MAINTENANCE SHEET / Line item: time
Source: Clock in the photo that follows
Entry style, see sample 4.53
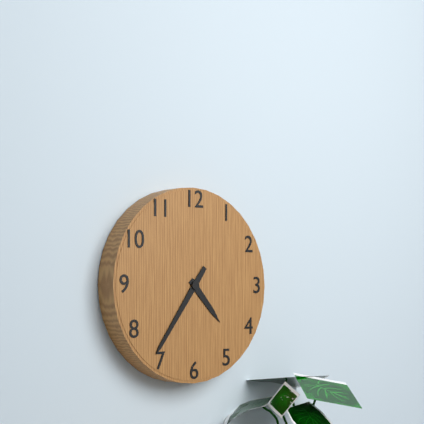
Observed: 4.36
